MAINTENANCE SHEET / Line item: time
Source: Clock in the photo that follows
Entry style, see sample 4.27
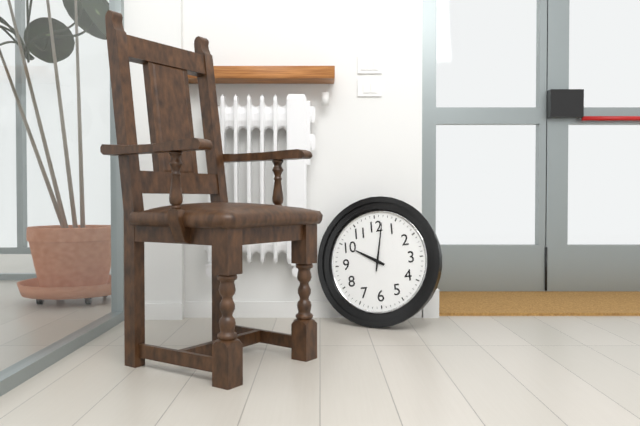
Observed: 10.02
